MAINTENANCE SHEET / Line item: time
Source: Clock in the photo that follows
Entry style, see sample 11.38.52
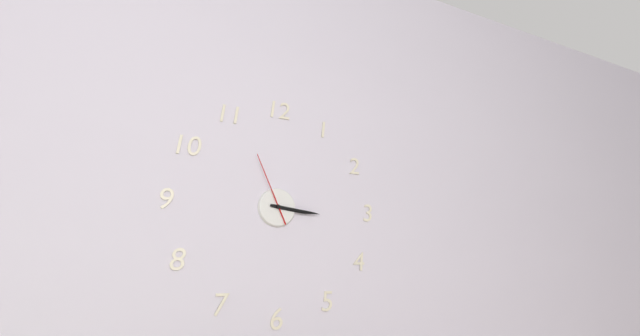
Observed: 3.16.56
